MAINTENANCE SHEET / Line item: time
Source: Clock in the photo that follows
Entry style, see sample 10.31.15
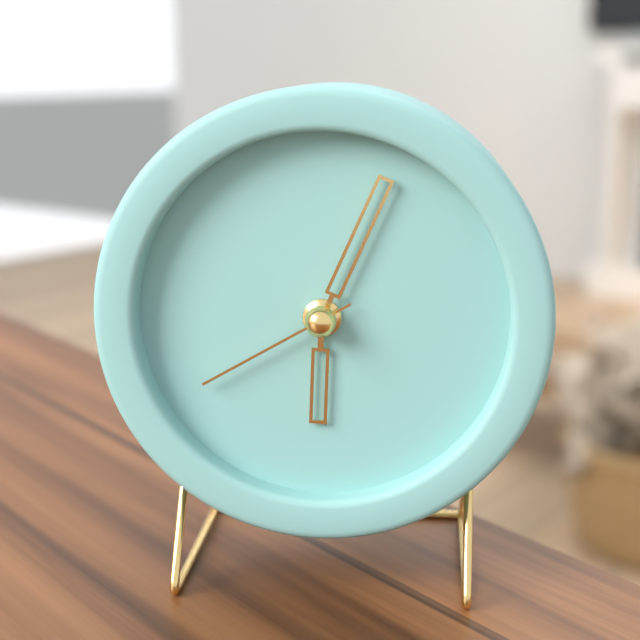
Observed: 6.04.40
